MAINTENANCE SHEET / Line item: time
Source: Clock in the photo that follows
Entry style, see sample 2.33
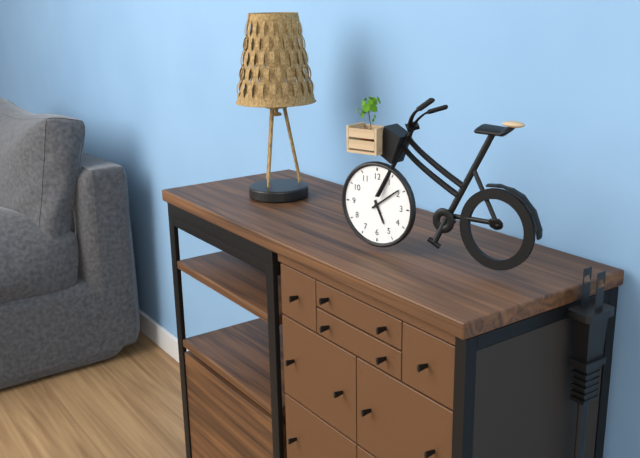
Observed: 5.09
